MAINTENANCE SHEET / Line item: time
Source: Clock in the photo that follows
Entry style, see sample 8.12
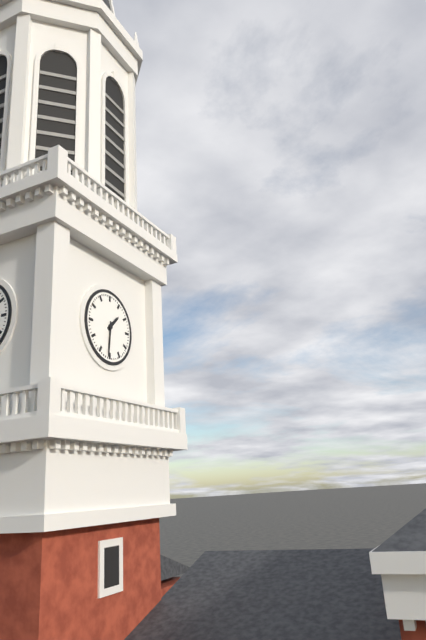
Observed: 1.31
